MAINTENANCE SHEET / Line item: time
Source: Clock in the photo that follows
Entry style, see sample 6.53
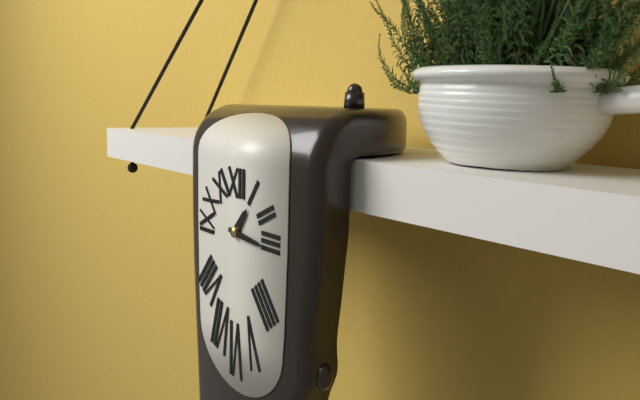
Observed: 1.16
